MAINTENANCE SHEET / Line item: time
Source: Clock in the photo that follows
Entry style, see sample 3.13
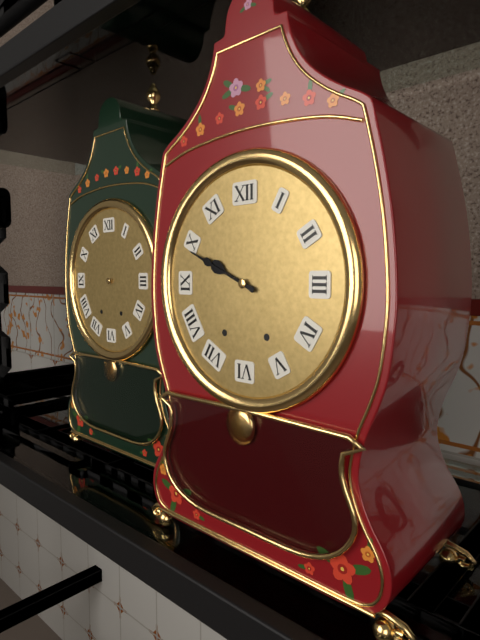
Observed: 9.49
